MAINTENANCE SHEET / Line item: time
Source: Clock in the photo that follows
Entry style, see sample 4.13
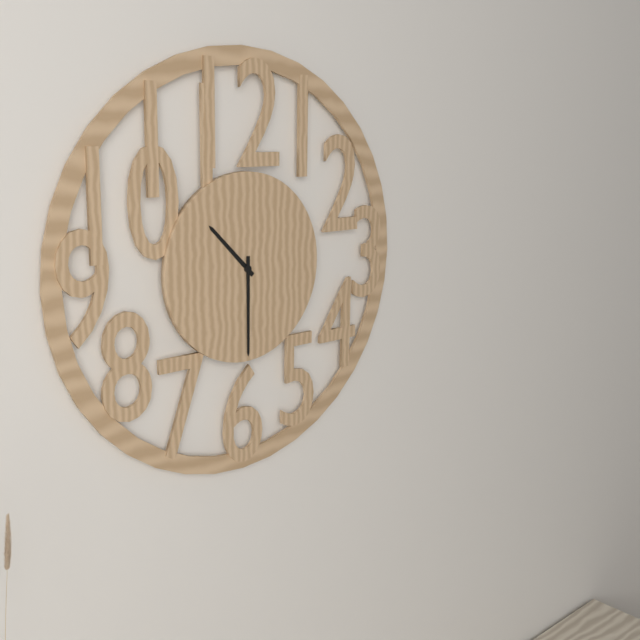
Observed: 10.30
